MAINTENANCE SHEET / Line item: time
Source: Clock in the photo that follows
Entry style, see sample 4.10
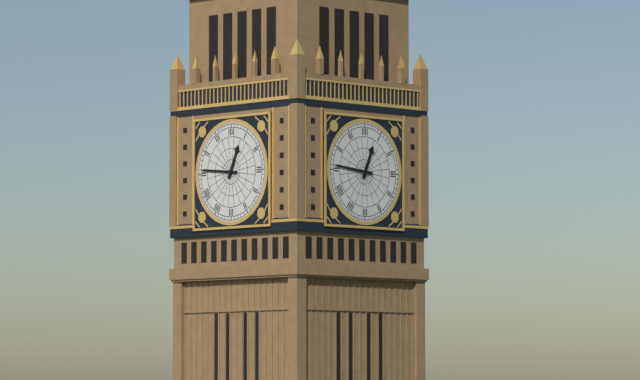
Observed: 12.46
